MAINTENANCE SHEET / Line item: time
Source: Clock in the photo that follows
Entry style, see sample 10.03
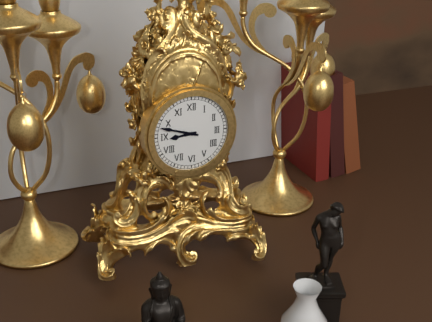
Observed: 8.48
